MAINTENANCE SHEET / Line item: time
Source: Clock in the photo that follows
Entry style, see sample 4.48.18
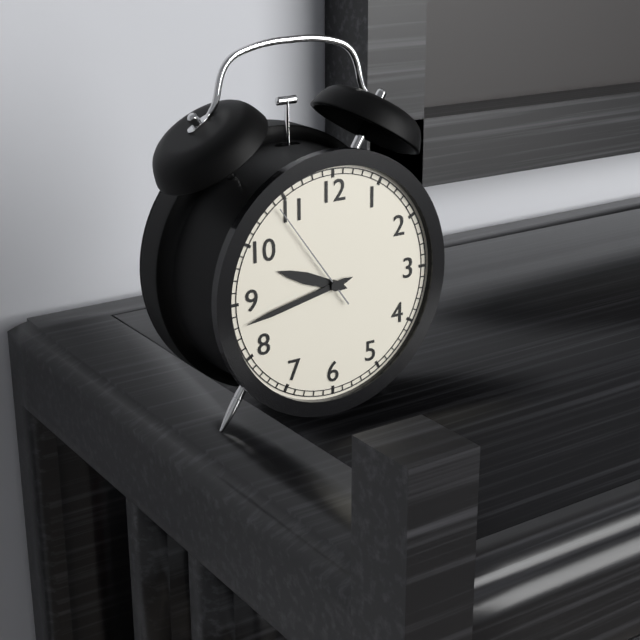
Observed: 9.43.54
